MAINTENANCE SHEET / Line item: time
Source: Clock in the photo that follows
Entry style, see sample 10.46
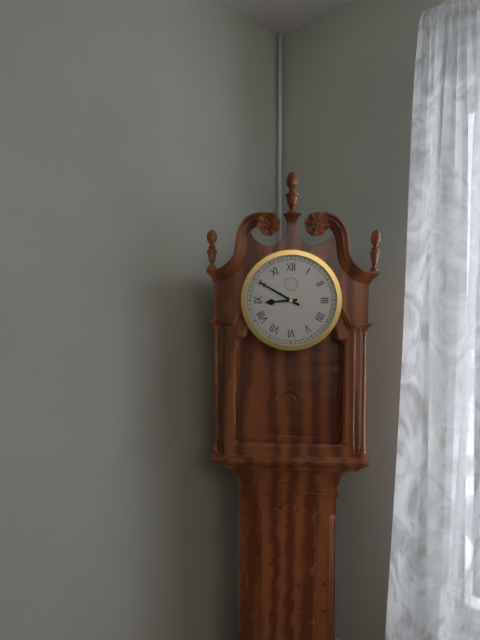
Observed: 8.50
